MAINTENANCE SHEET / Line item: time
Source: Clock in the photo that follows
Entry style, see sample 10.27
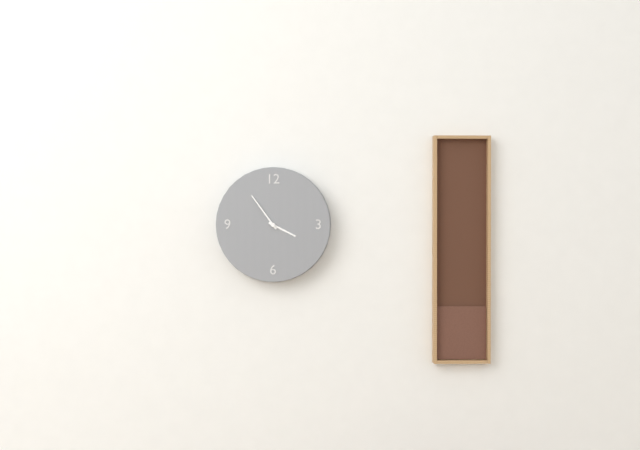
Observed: 3.54
